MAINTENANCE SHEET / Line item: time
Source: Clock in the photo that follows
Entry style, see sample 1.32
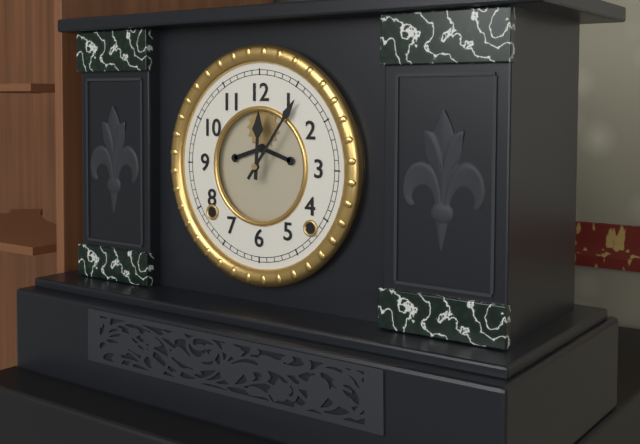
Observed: 12.06
